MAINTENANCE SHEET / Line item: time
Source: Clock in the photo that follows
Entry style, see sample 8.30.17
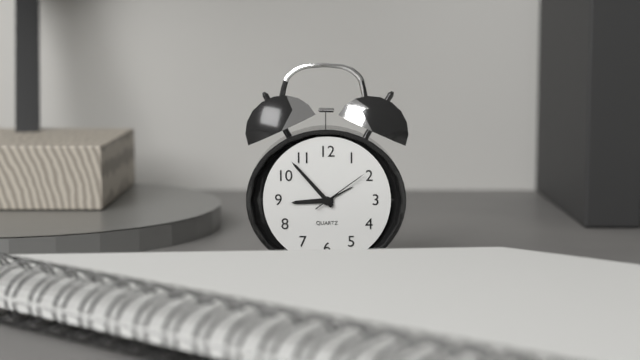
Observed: 8.53.09
